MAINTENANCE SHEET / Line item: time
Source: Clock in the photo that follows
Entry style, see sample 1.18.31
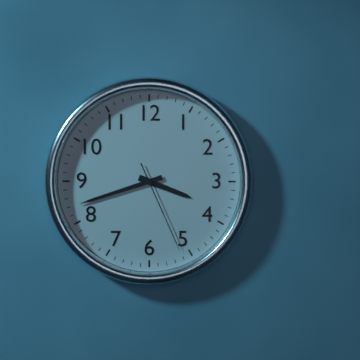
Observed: 3.42.26
